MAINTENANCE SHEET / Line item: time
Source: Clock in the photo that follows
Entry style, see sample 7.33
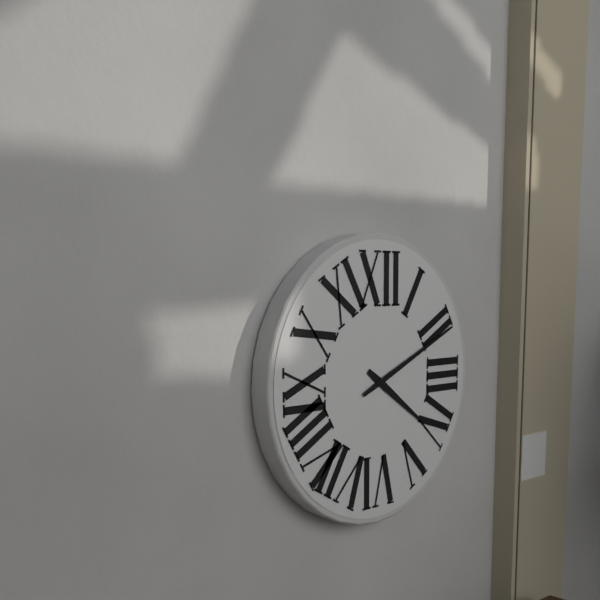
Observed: 4.11
